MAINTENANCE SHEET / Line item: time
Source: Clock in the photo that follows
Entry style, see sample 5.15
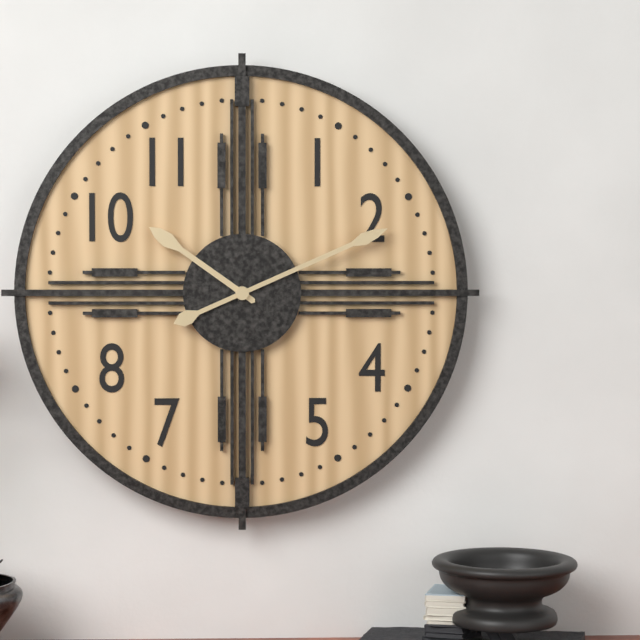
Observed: 10.11
